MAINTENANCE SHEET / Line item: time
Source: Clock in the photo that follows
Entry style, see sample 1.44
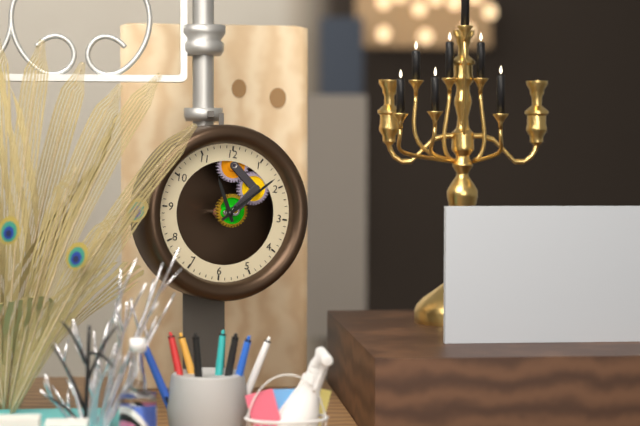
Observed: 11.08
